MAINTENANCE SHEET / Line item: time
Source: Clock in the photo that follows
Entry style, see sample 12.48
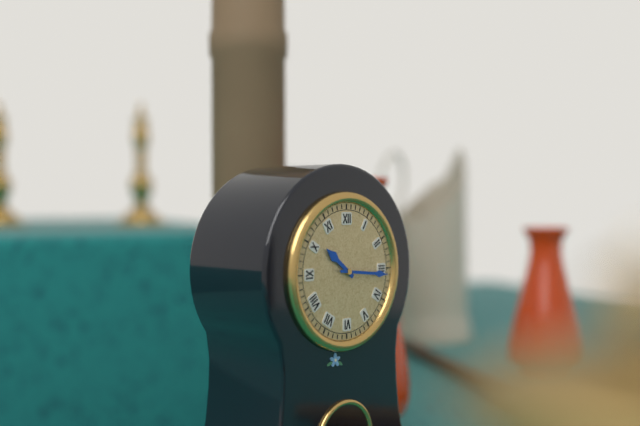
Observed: 10.16
